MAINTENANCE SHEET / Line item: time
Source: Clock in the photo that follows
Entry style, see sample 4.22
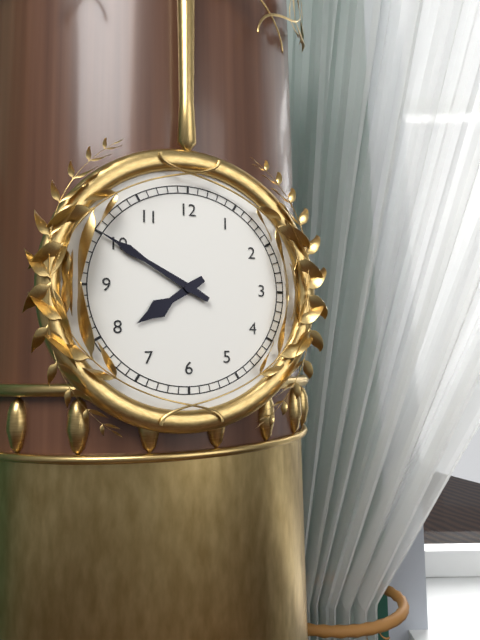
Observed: 7.50
